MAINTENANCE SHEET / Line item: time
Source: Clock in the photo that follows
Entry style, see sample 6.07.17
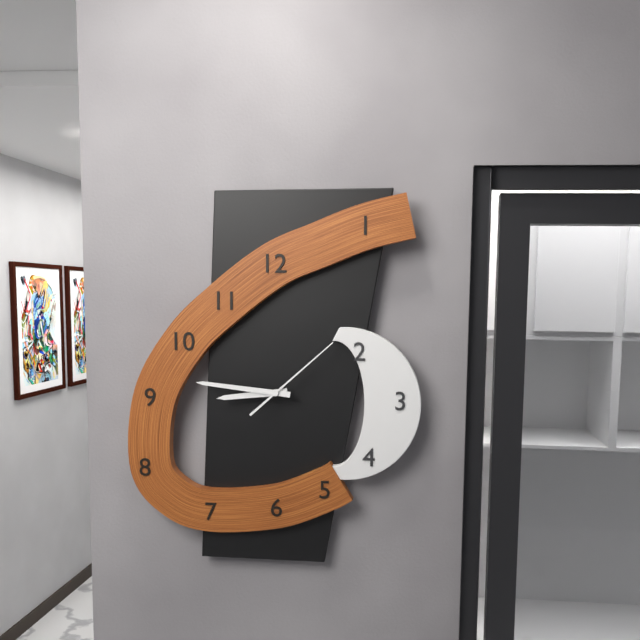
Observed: 8.46.08
